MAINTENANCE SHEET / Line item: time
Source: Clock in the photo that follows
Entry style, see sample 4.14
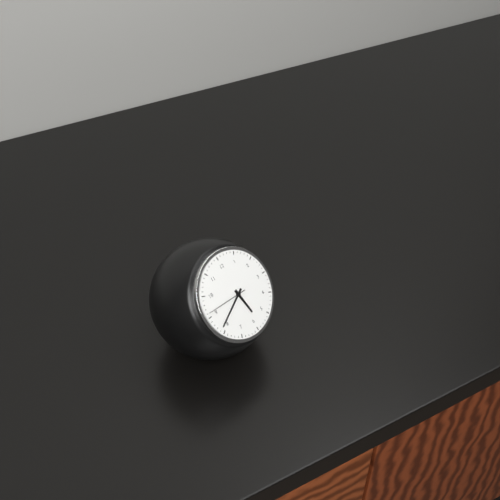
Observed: 5.41
